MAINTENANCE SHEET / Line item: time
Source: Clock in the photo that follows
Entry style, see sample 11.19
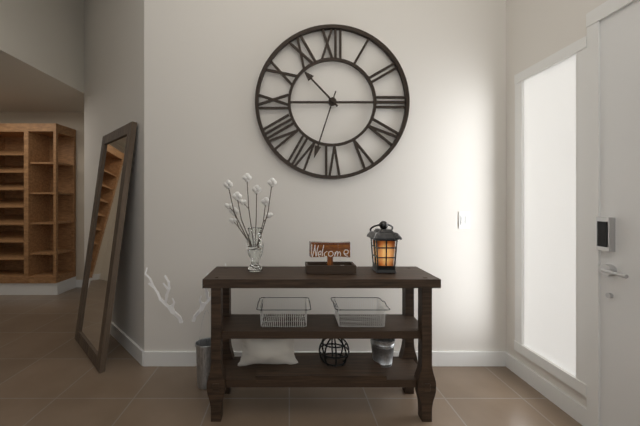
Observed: 10.33
